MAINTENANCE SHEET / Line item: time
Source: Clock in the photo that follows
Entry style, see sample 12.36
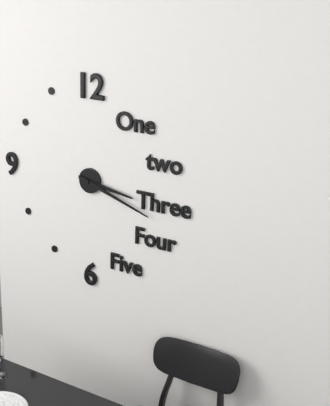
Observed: 3.18
